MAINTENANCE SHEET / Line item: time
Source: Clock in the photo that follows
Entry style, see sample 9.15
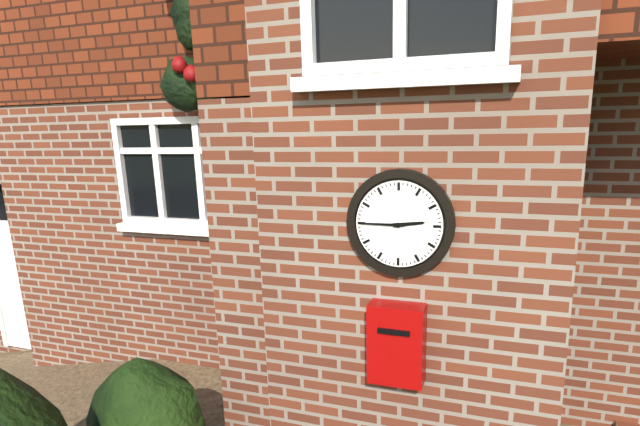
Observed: 2.45
